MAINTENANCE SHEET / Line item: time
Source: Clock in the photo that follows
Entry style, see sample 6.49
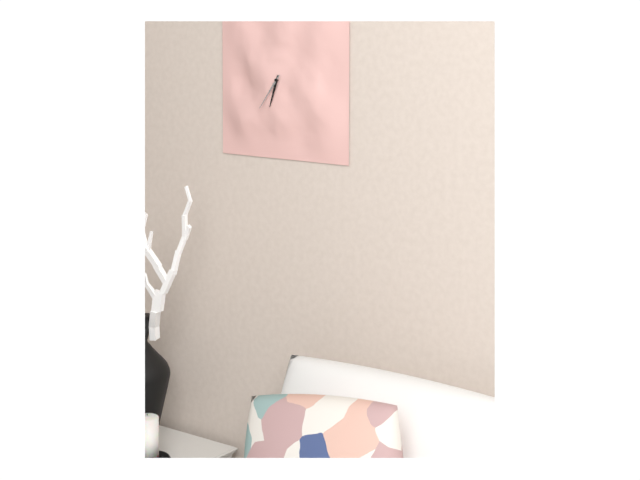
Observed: 6.36
